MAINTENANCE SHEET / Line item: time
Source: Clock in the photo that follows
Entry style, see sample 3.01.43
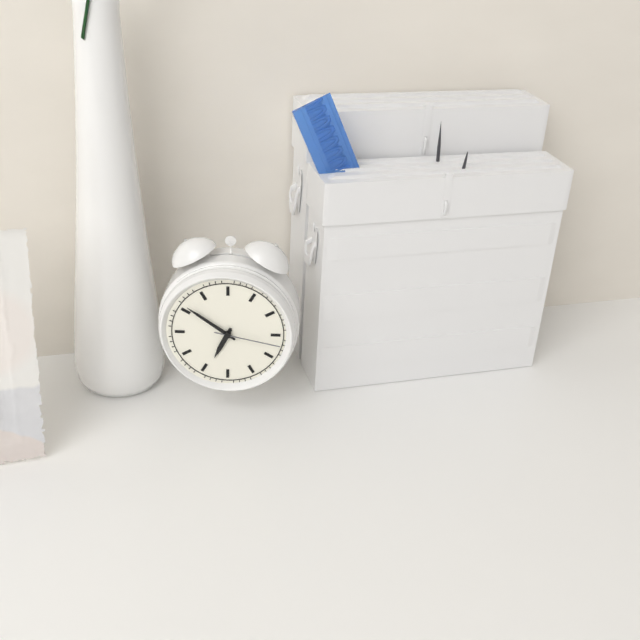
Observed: 6.51.17
